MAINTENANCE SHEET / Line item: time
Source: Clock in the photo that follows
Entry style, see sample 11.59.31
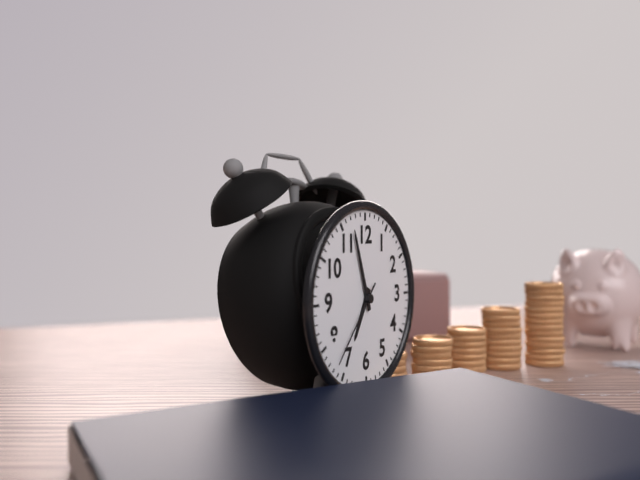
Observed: 6.57.37
